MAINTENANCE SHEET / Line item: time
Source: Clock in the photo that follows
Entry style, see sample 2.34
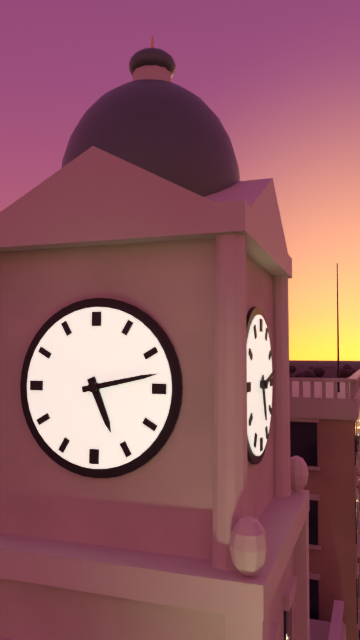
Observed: 5.13
